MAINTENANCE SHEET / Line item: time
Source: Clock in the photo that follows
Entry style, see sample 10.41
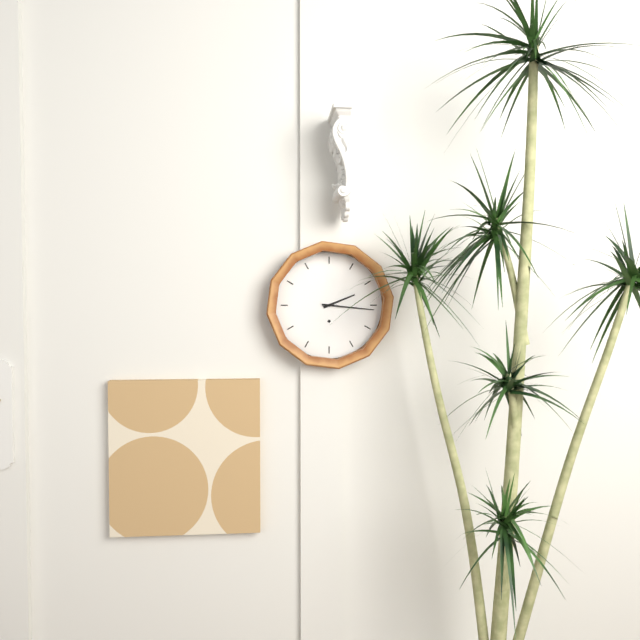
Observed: 2.16
